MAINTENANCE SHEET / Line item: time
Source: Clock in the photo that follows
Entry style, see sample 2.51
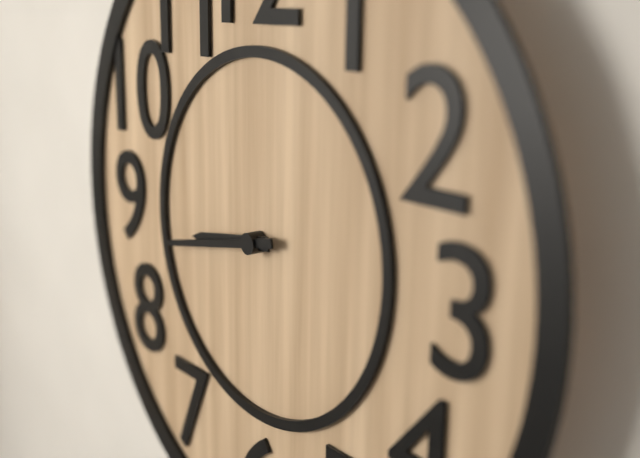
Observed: 8.43
